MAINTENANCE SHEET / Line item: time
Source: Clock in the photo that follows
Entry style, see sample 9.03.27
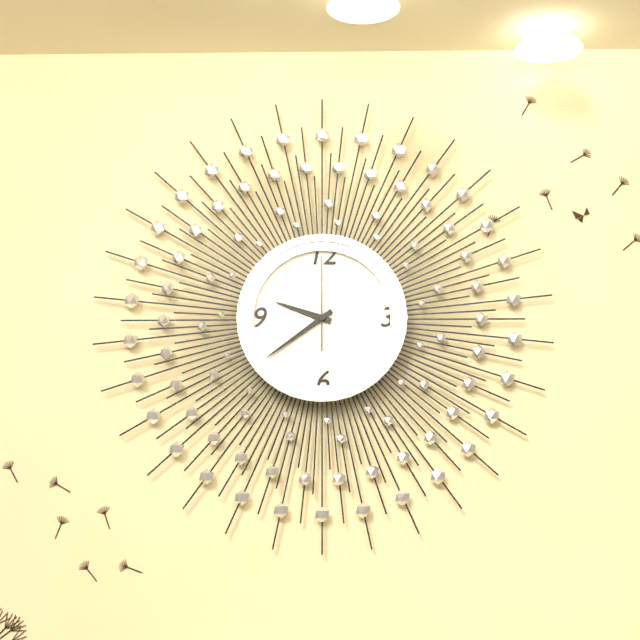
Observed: 9.39.00
